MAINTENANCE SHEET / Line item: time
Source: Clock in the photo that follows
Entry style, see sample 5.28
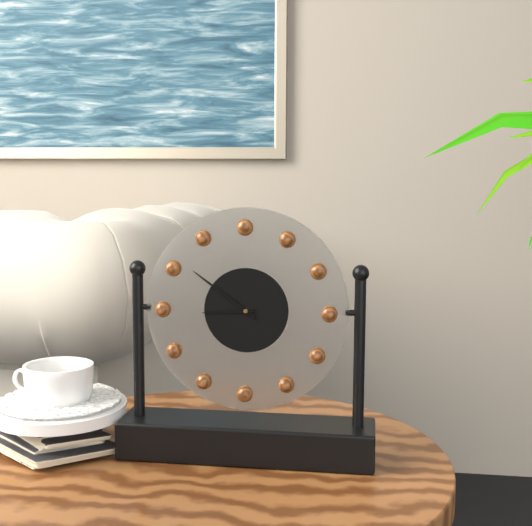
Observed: 8.51
